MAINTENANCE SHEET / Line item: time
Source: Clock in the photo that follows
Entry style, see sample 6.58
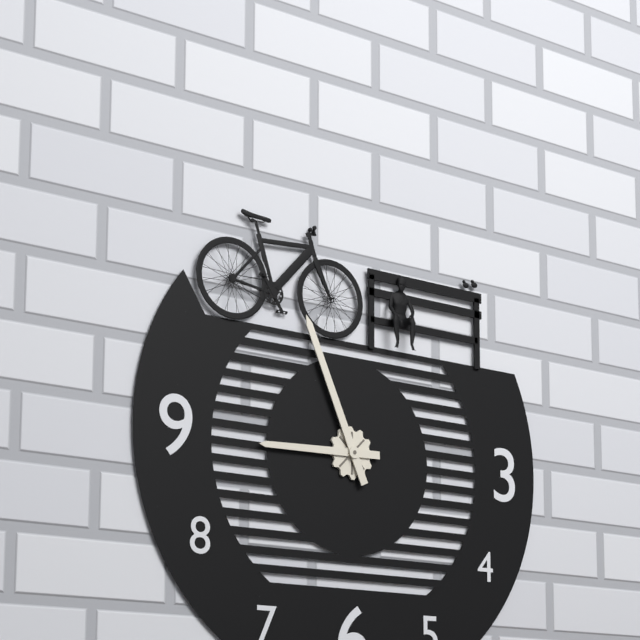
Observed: 8.56
